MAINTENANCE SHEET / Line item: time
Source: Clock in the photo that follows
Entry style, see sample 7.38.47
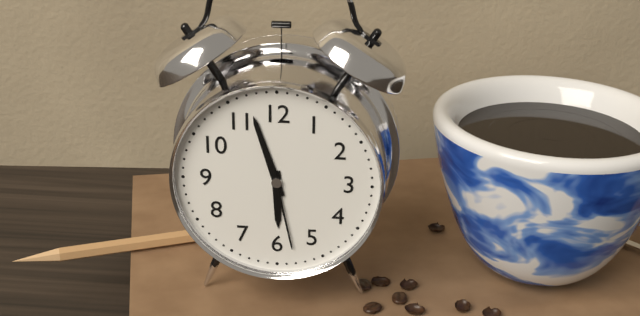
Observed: 5.57.28
